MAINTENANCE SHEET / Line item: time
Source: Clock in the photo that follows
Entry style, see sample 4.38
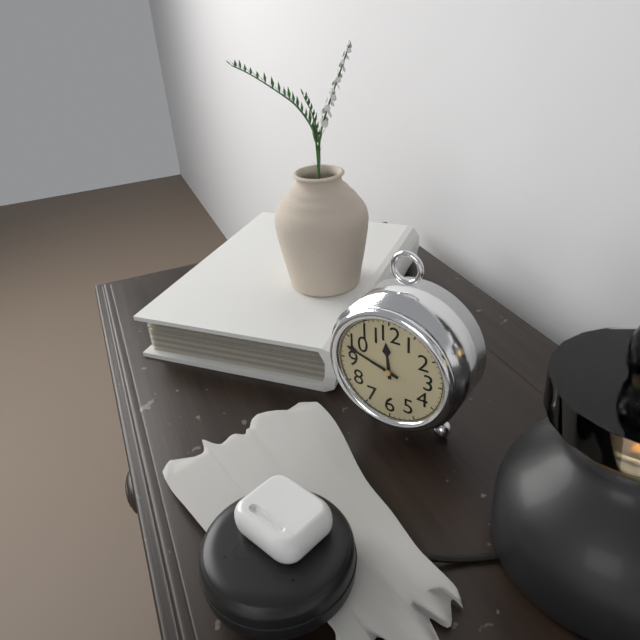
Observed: 11.48
